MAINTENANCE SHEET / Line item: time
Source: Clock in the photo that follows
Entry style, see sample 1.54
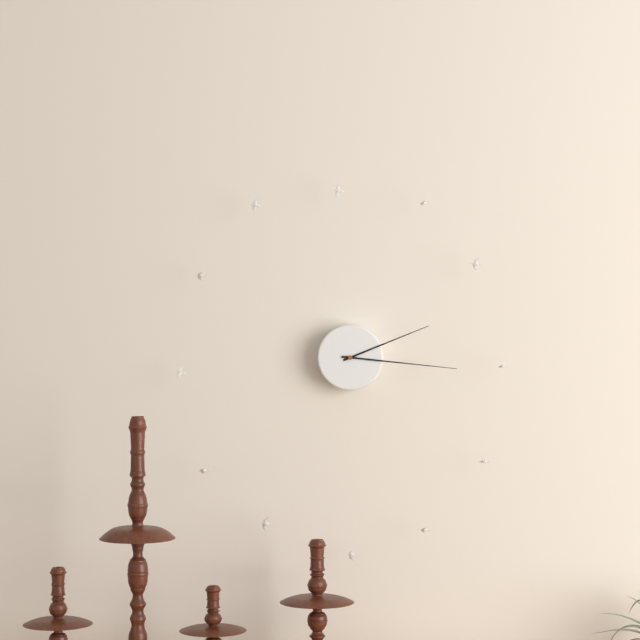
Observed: 2.16
